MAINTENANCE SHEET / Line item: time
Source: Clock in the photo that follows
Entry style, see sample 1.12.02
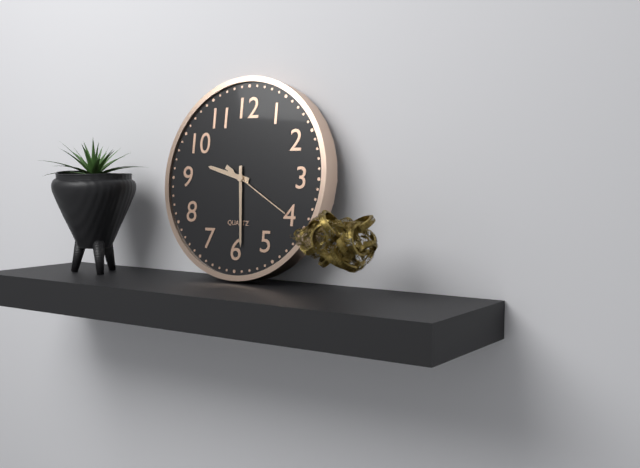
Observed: 9.29.20
